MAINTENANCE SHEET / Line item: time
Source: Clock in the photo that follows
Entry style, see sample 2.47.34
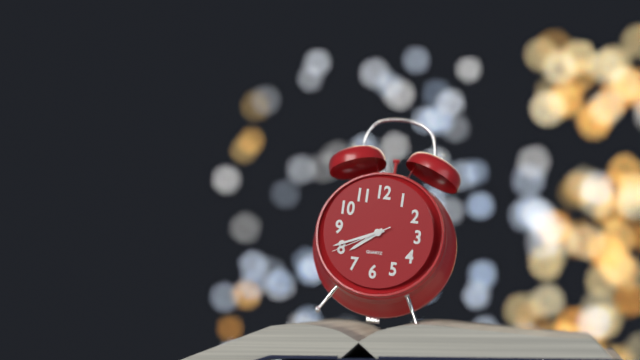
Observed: 7.41.40
